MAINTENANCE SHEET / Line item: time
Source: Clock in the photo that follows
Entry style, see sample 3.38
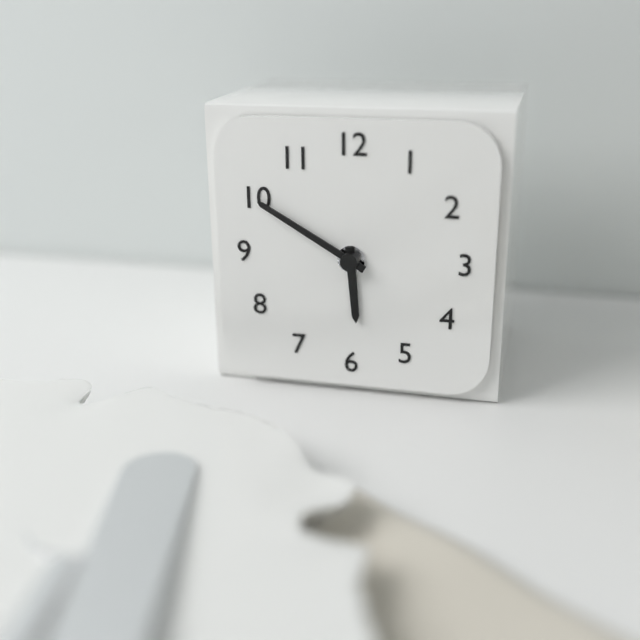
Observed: 5.50
